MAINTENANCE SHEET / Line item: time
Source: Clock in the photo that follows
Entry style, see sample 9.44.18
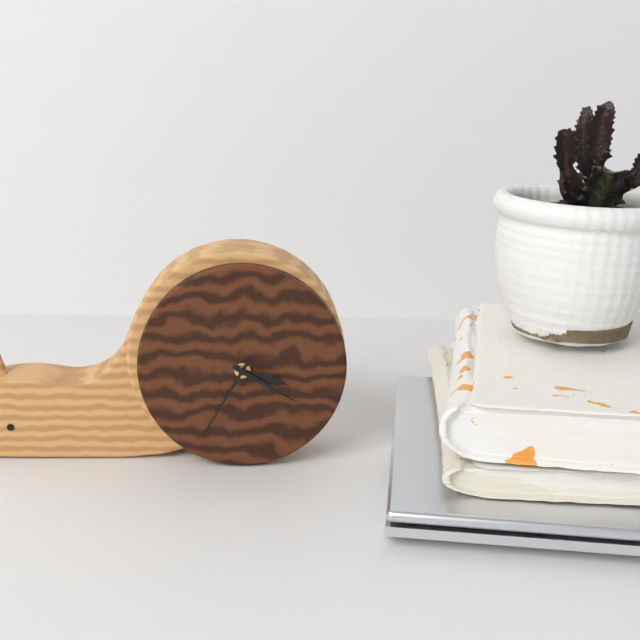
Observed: 3.35.20
